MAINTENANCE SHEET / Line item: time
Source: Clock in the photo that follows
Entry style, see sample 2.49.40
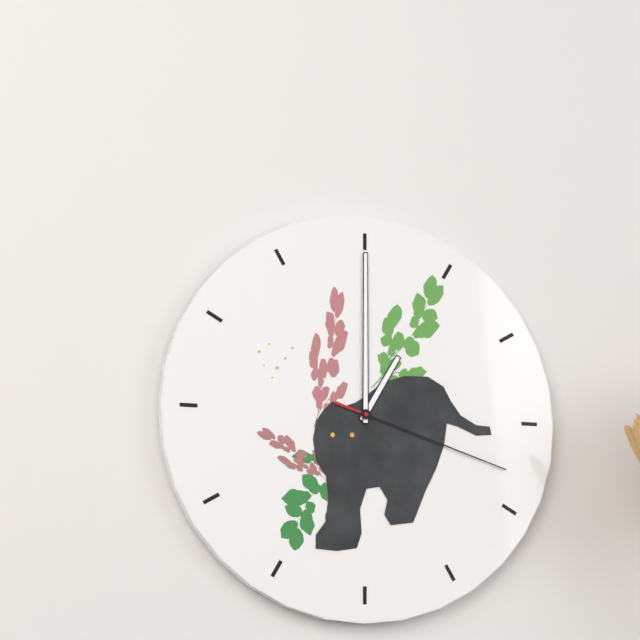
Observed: 1.00.18
